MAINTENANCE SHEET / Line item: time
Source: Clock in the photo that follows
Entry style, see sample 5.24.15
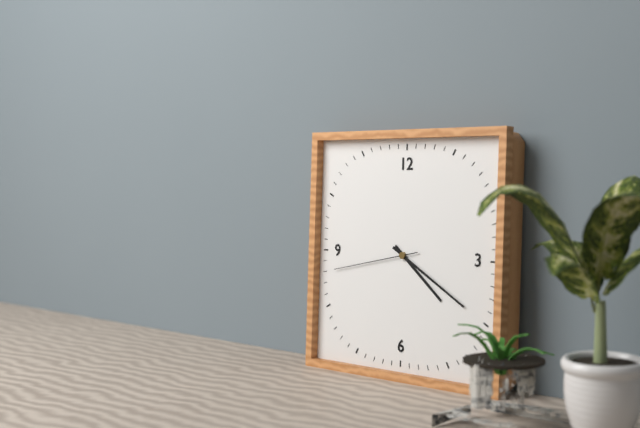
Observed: 4.20.43
